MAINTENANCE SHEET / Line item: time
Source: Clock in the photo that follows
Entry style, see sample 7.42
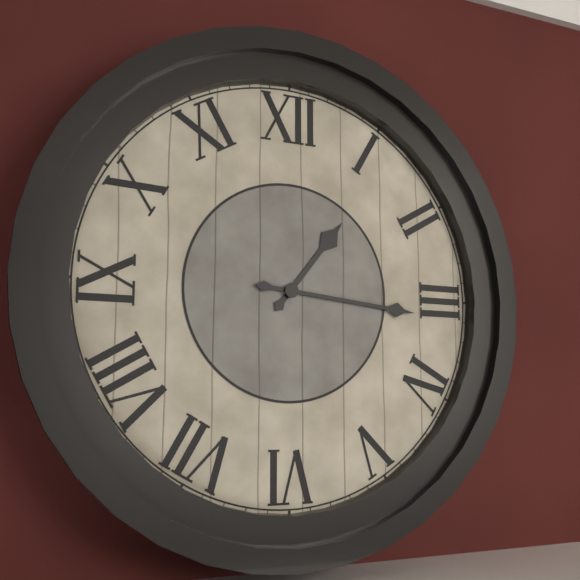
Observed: 1.16
